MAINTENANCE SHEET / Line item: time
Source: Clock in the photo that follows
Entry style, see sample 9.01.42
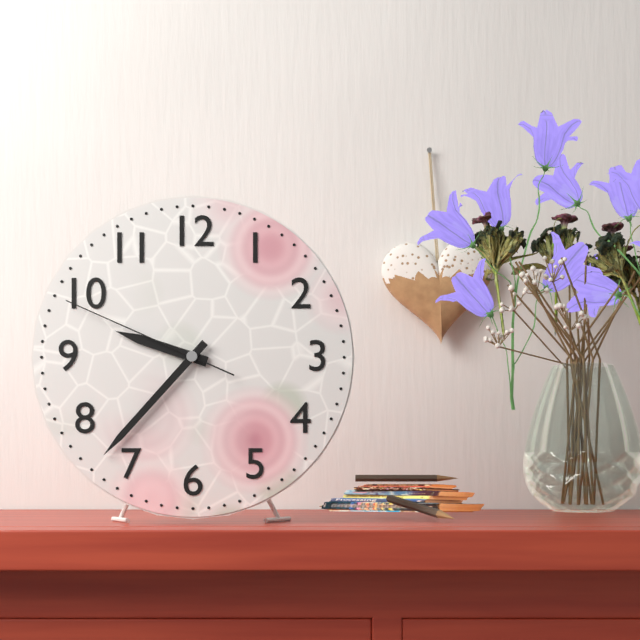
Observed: 9.37.49
